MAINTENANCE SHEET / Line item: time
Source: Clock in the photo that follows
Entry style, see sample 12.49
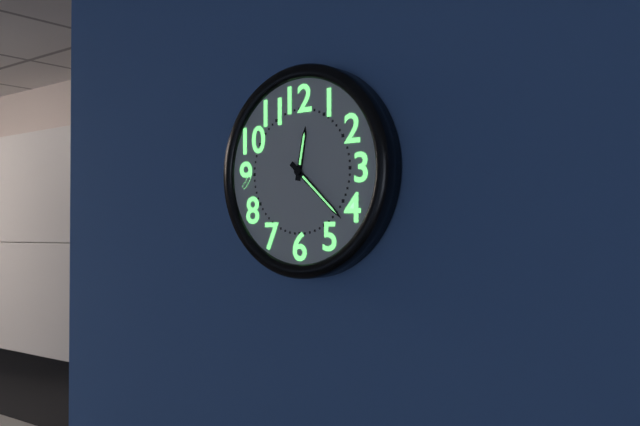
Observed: 12.22
